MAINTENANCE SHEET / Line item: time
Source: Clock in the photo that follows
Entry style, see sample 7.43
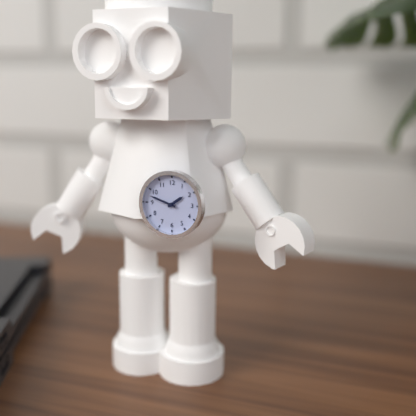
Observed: 1.48
